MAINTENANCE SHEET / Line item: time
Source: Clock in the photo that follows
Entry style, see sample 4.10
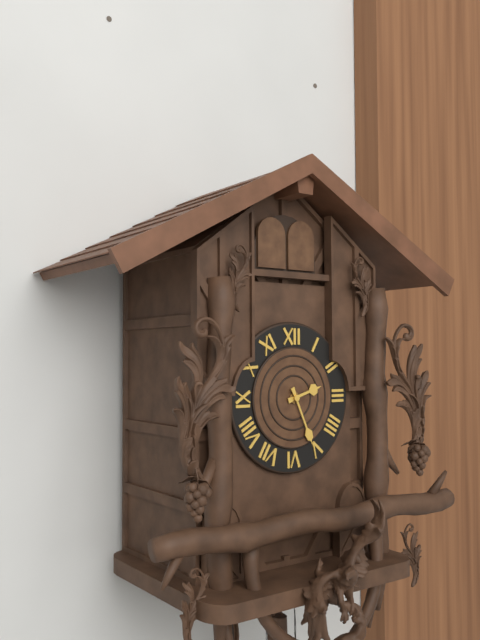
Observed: 2.26
